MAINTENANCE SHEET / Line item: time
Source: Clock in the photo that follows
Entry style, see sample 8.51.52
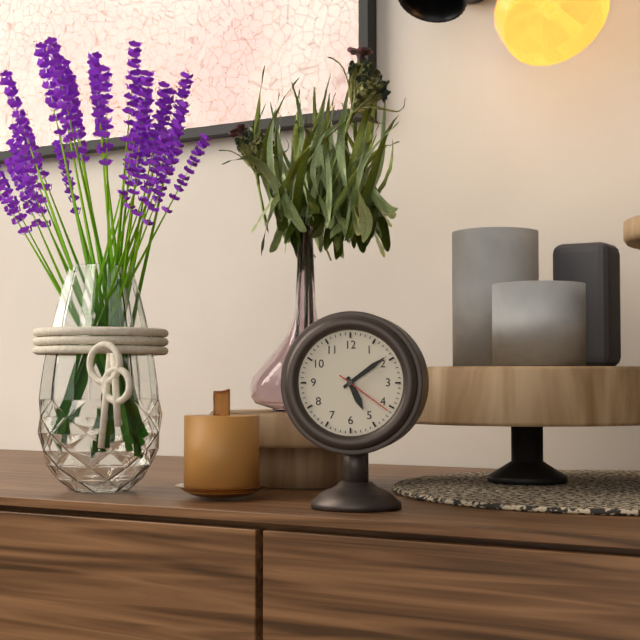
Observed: 5.09.21
